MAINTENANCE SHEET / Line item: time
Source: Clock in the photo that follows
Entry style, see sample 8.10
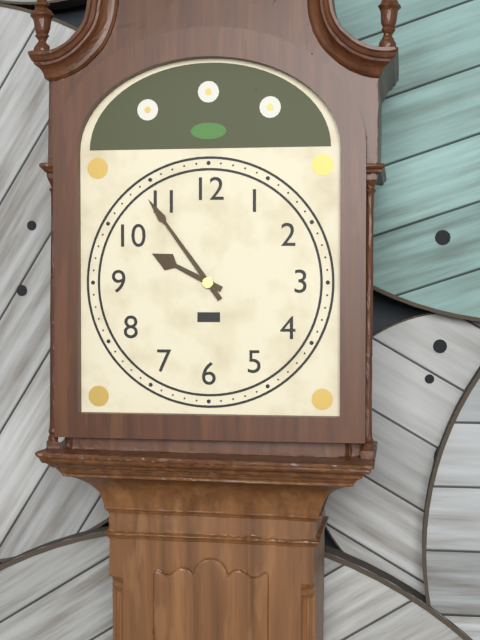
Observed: 9.54
